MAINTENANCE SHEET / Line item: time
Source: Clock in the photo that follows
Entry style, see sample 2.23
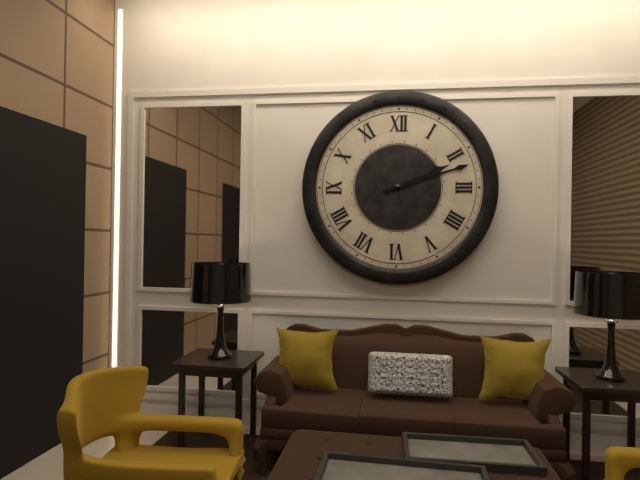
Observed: 2.12
